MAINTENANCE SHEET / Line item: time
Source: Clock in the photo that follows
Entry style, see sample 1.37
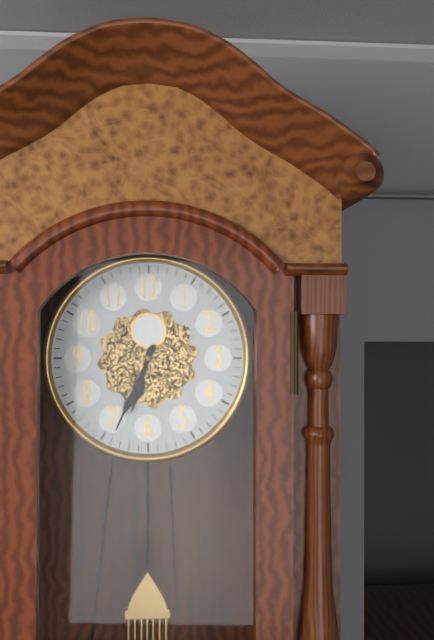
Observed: 6.34
